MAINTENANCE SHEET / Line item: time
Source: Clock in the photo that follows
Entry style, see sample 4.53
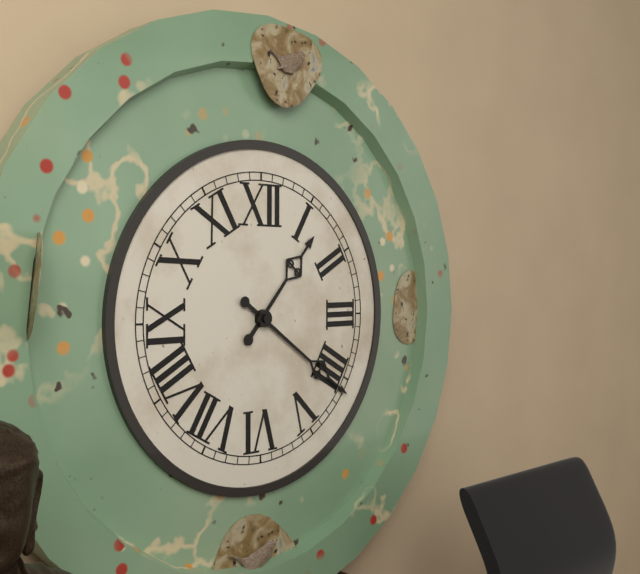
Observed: 1.21
